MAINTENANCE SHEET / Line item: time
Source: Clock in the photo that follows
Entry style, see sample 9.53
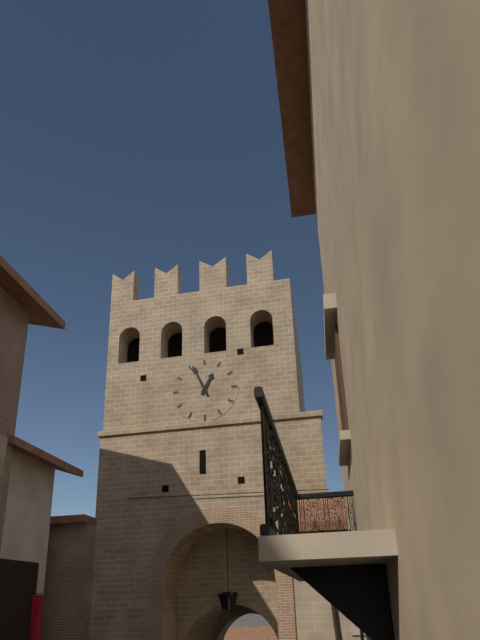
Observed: 12.56
